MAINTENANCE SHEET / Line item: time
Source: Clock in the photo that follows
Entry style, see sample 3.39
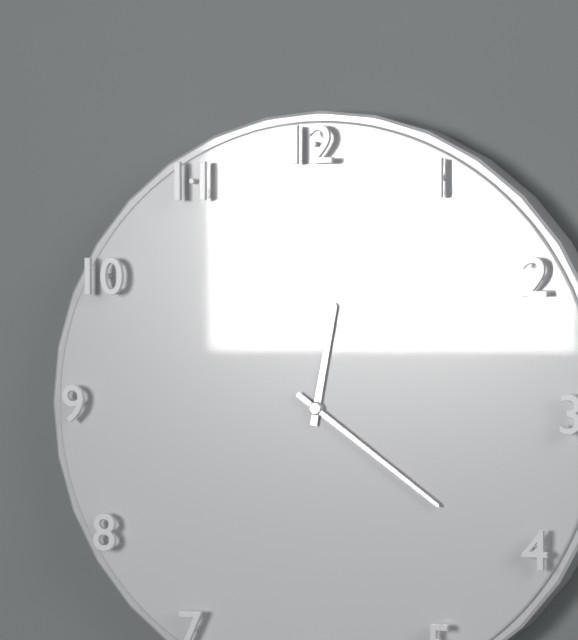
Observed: 12.21
